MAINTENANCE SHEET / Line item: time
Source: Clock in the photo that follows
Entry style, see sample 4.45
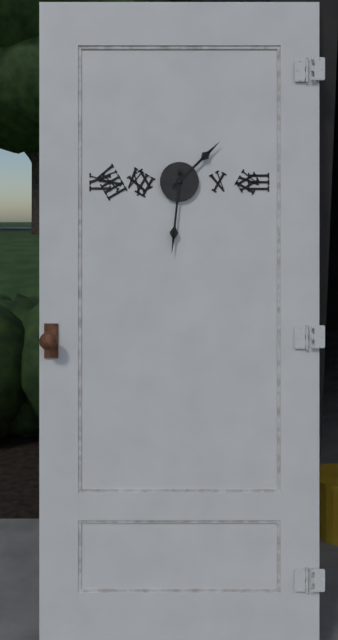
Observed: 1.31
